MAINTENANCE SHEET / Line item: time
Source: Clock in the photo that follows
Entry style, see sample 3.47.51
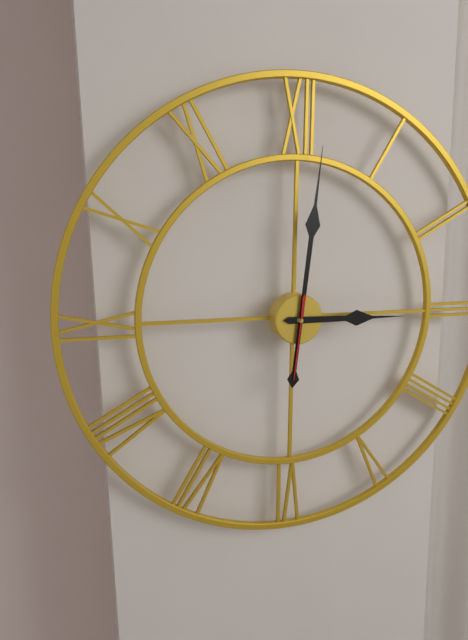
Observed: 3.01.31
